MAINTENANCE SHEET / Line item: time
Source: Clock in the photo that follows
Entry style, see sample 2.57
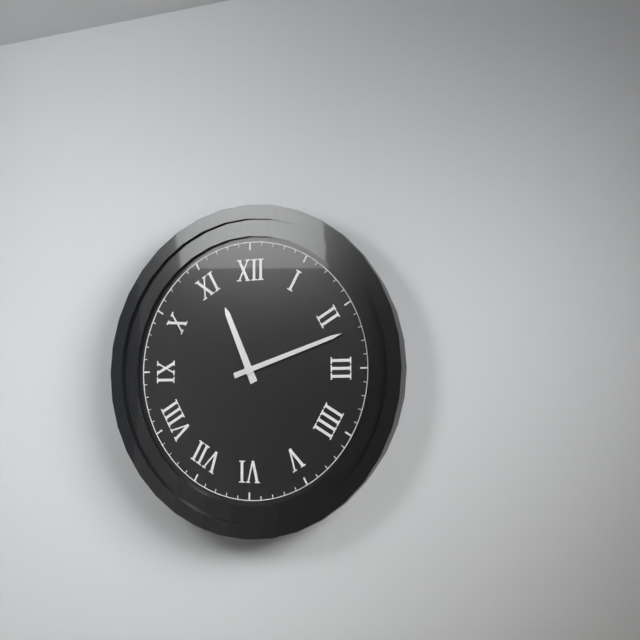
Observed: 11.12
